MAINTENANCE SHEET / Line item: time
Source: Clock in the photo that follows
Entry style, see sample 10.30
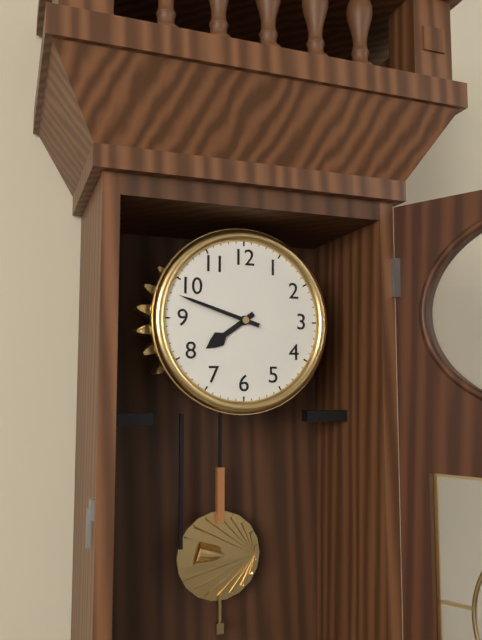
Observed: 7.48
